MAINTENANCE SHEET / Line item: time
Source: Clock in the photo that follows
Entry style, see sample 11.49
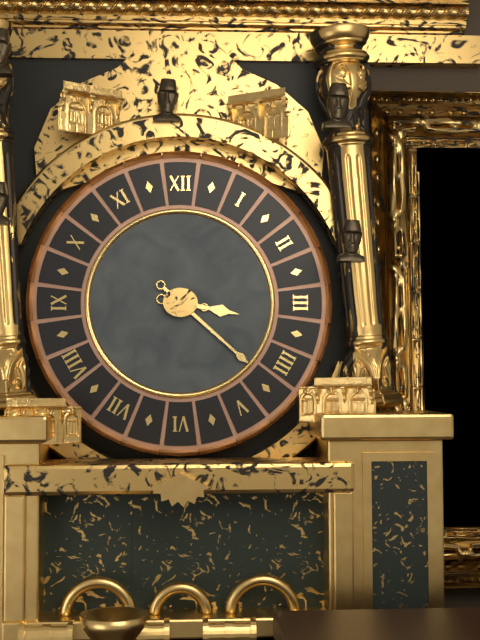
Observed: 3.22
